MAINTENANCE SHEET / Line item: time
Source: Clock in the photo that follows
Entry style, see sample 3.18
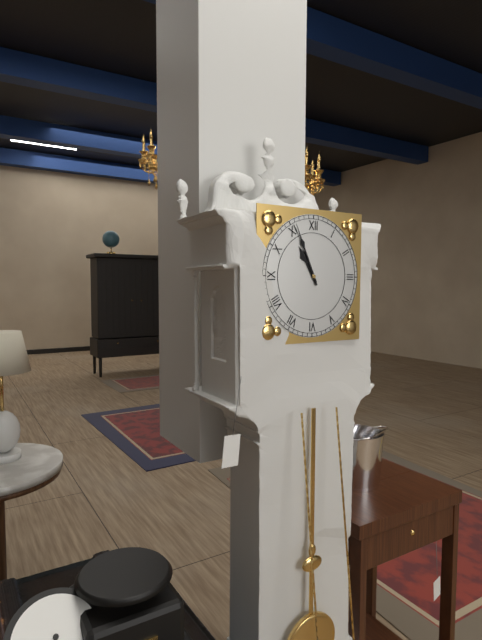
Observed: 10.56
